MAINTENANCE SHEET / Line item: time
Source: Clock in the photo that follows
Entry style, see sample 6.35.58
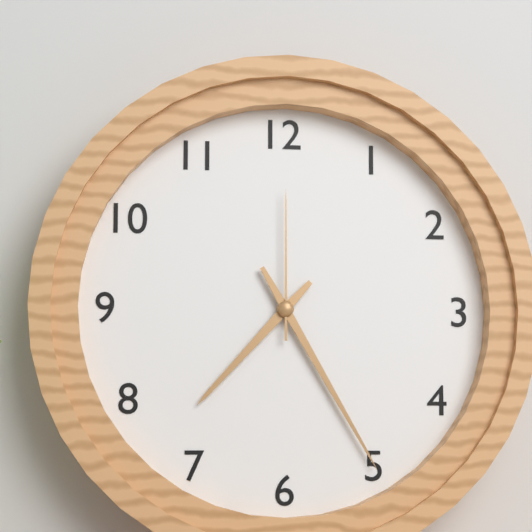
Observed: 7.25.00
